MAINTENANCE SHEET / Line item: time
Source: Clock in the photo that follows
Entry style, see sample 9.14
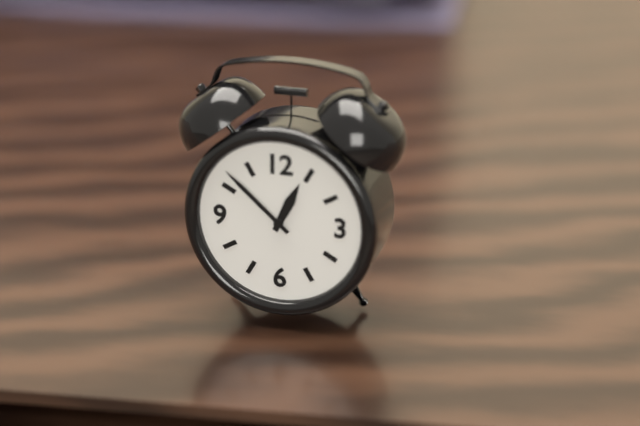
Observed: 12.52
